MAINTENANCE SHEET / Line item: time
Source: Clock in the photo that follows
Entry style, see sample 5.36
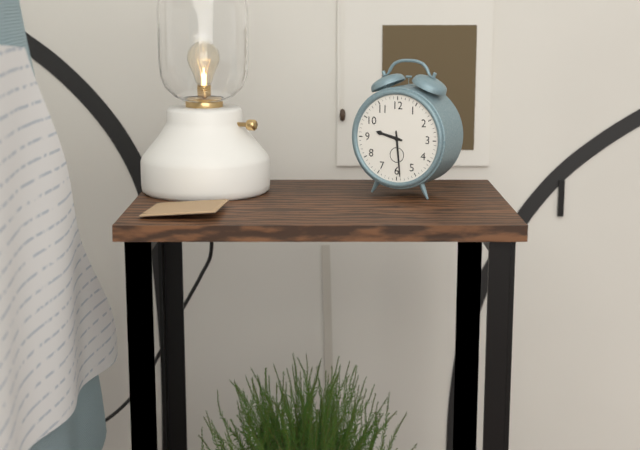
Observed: 9.29
